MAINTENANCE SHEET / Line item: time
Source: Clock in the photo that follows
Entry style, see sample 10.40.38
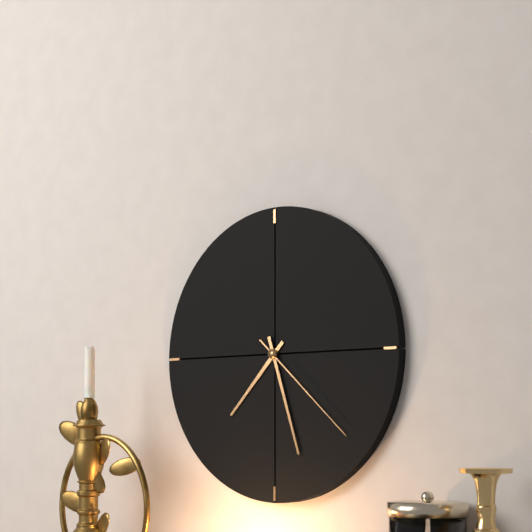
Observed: 7.27.22
